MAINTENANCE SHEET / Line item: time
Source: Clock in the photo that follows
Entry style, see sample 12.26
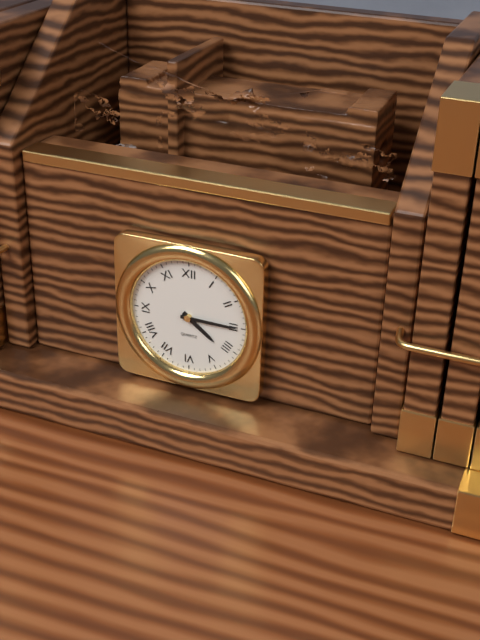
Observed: 4.15
